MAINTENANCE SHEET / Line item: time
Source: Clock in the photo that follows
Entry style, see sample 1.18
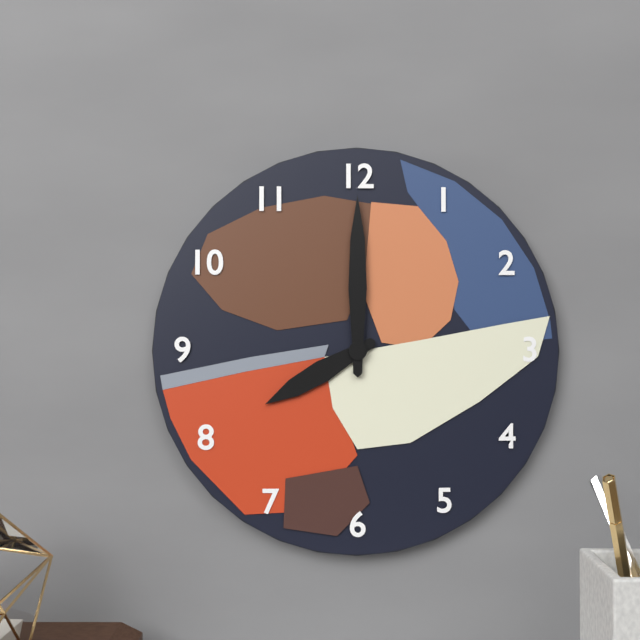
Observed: 8.00
